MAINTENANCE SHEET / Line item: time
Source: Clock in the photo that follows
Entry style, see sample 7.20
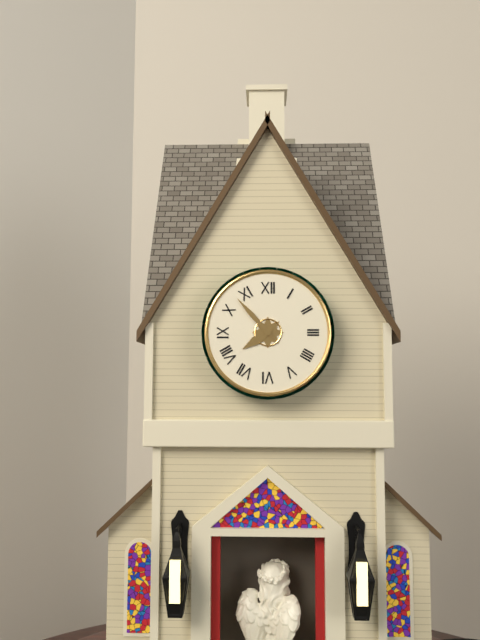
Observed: 7.53
